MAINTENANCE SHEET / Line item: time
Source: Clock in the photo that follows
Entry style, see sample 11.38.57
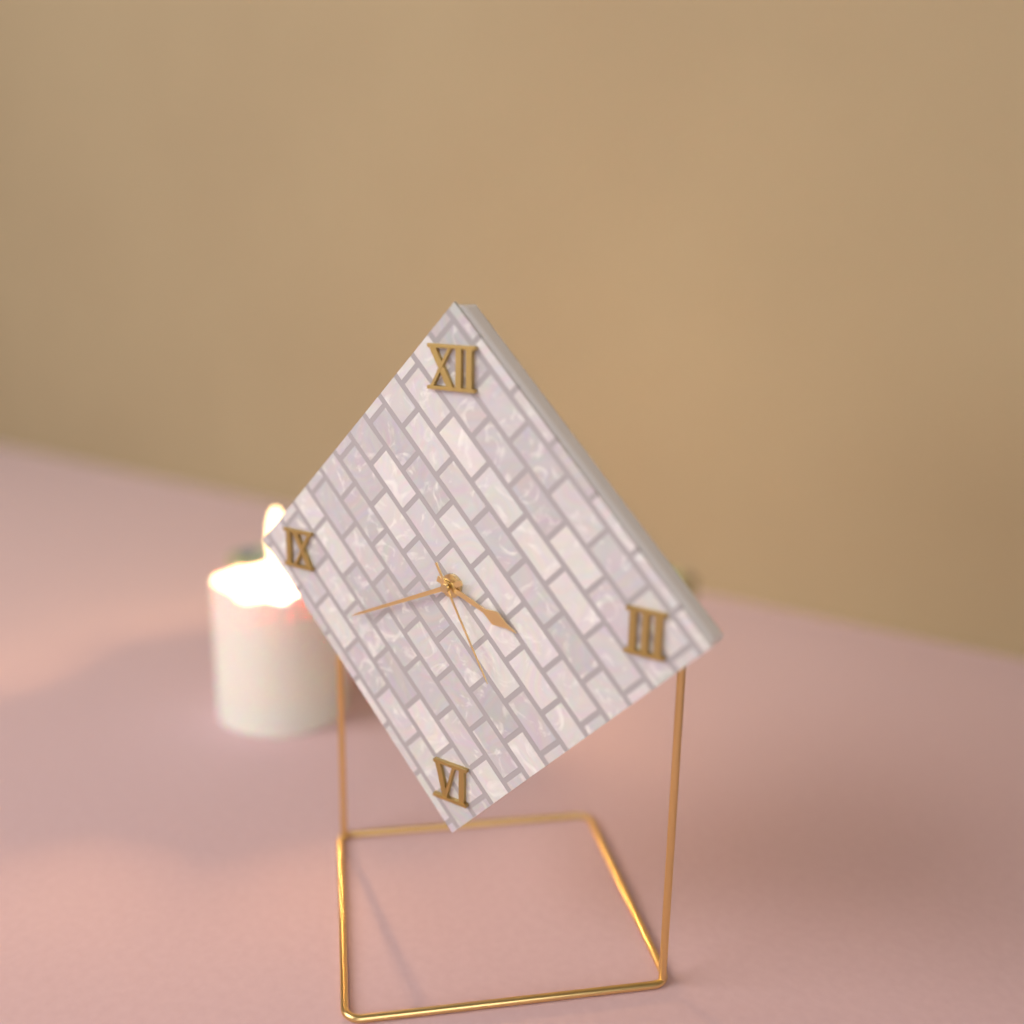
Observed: 3.41.25
